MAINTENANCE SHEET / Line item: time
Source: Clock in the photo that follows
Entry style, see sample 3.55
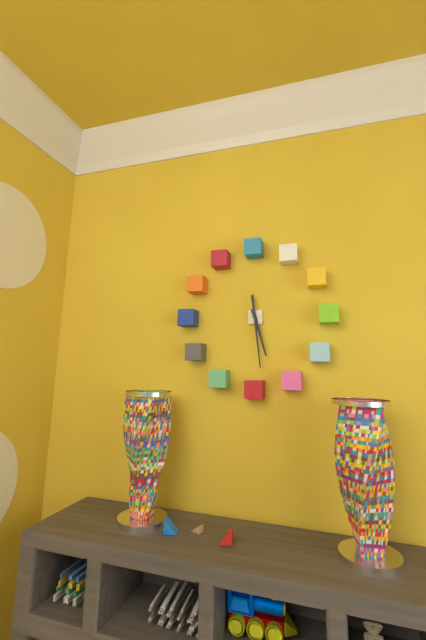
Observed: 5.29
